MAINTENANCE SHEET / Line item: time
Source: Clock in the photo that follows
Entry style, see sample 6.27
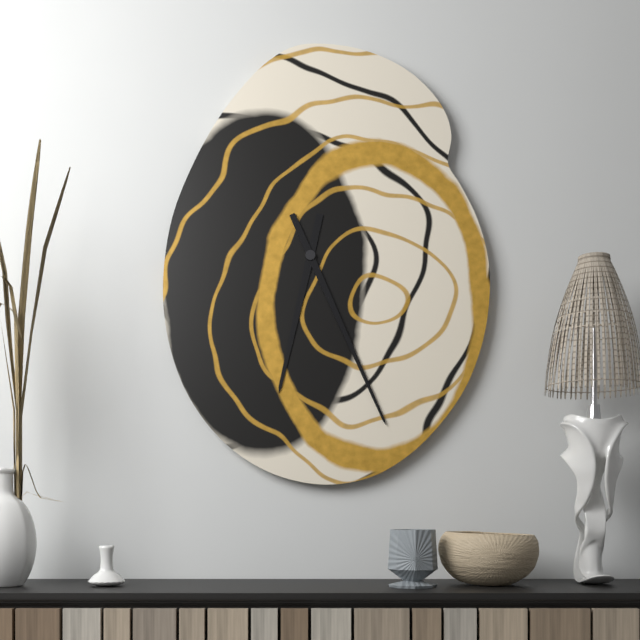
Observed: 6.26
